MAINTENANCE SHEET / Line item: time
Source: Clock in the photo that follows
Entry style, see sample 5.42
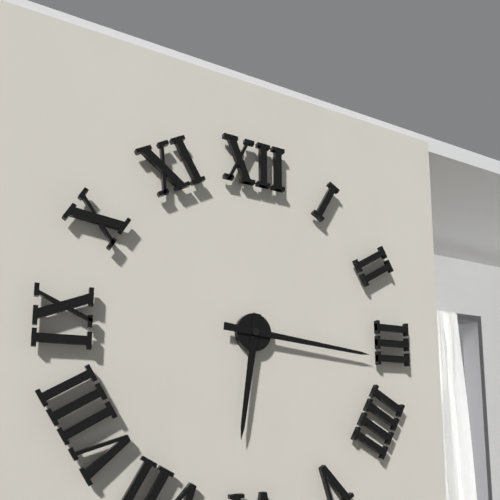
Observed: 6.16
